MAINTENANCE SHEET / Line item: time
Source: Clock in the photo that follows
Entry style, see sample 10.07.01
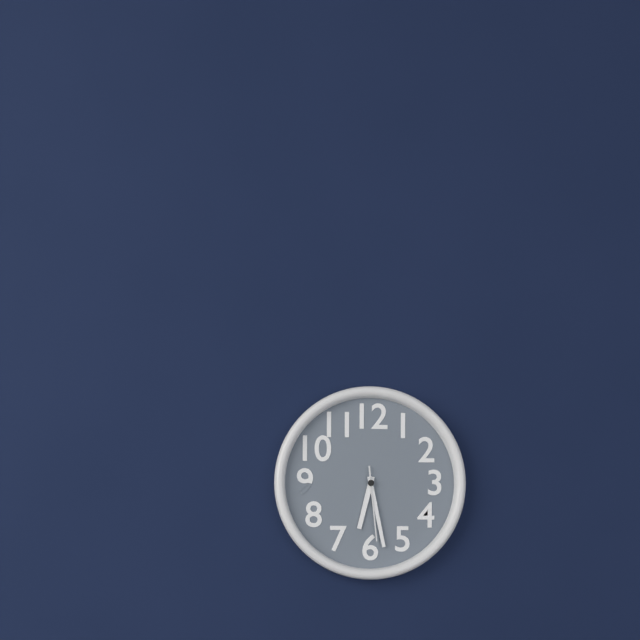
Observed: 6.28.29
